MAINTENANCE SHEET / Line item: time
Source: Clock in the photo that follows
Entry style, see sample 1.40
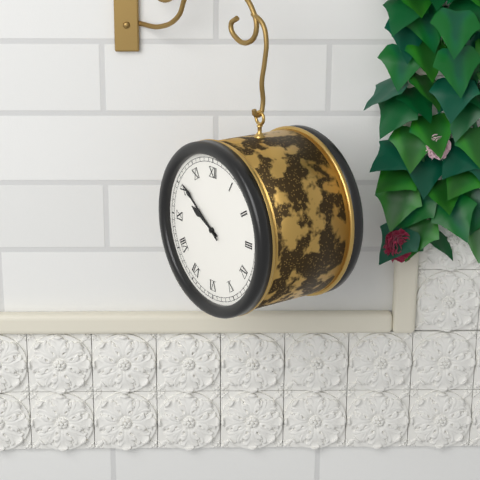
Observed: 9.51
